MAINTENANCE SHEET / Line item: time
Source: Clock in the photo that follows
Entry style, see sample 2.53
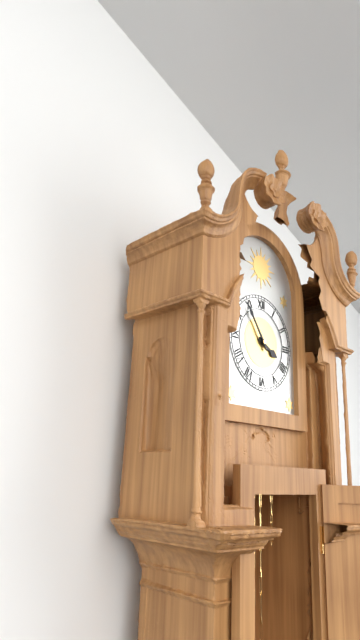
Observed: 3.54
